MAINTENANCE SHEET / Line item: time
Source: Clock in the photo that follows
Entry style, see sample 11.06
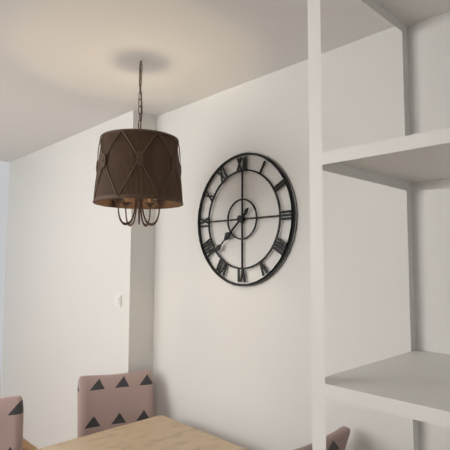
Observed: 7.38
